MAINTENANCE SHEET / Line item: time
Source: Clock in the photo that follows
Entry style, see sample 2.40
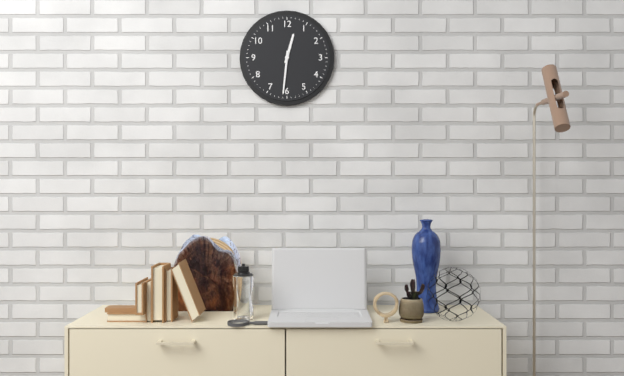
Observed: 12.31
